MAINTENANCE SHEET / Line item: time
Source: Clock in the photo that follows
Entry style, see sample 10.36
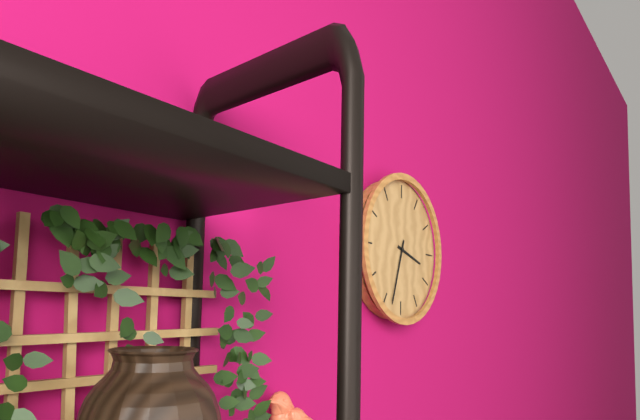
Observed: 3.33
